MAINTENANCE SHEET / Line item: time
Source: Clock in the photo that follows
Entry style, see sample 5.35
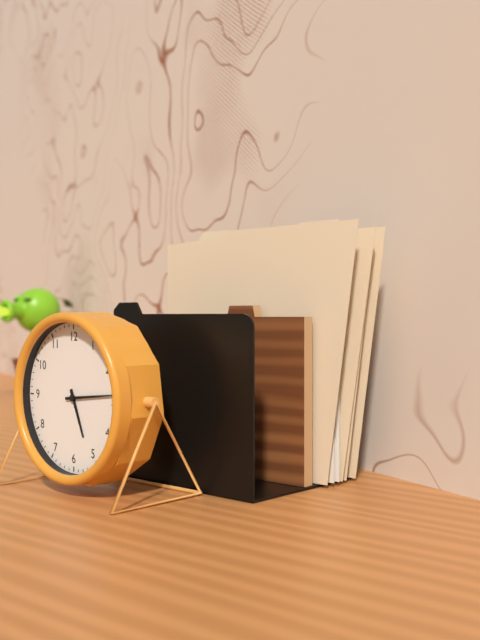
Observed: 5.14
